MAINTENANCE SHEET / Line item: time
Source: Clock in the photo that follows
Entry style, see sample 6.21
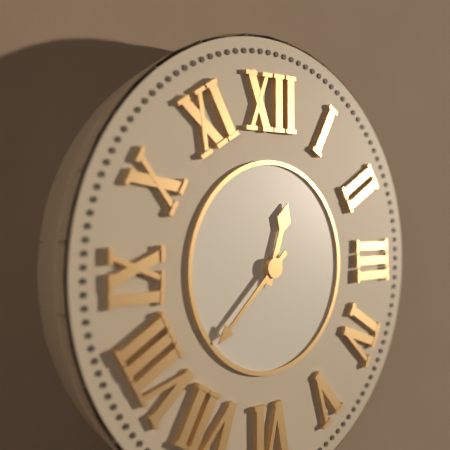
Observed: 12.38
